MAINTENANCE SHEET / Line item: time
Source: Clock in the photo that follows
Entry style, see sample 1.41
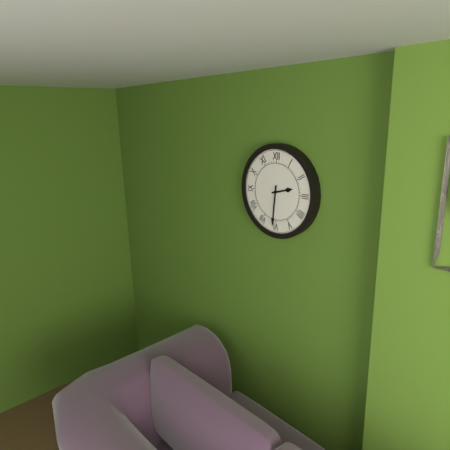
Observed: 2.31
